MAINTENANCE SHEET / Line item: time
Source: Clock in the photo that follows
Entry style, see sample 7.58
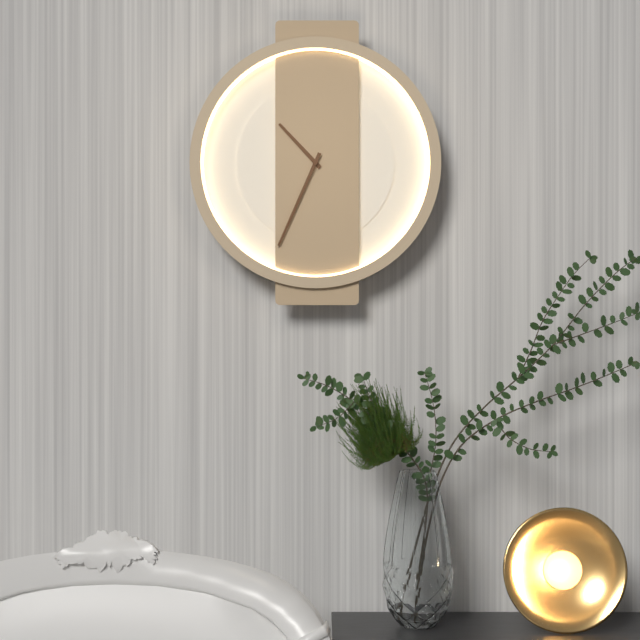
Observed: 10.34
